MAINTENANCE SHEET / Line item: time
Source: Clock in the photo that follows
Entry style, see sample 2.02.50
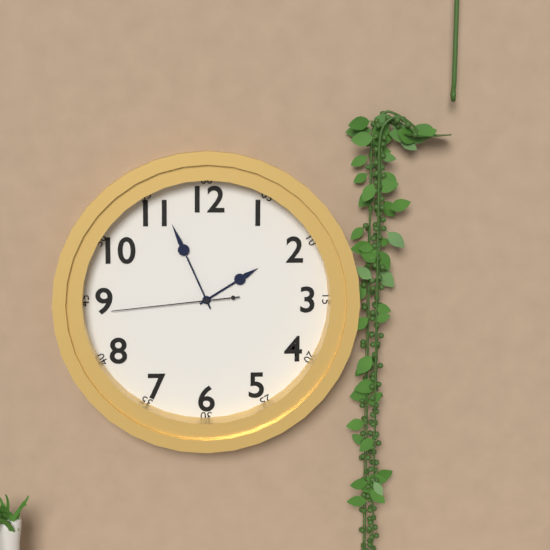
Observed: 1.56.44
